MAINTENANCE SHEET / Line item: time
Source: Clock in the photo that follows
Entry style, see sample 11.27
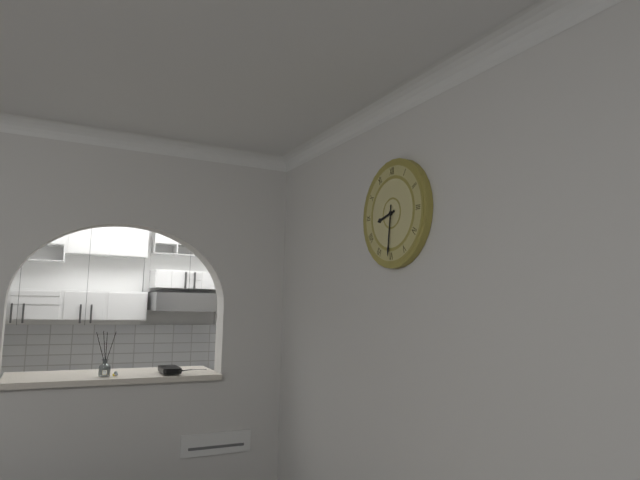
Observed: 8.31
